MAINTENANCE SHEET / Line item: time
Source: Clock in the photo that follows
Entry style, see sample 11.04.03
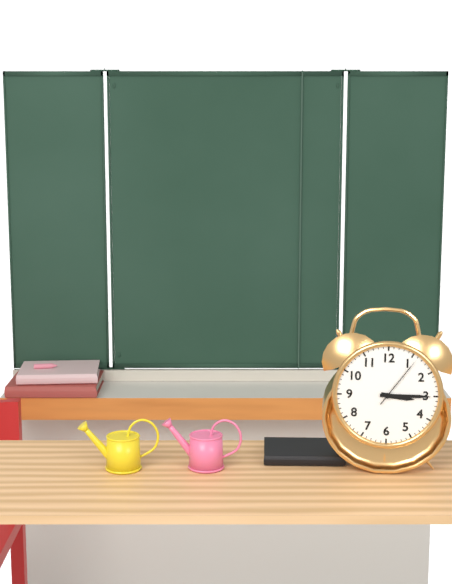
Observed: 3.15.06
